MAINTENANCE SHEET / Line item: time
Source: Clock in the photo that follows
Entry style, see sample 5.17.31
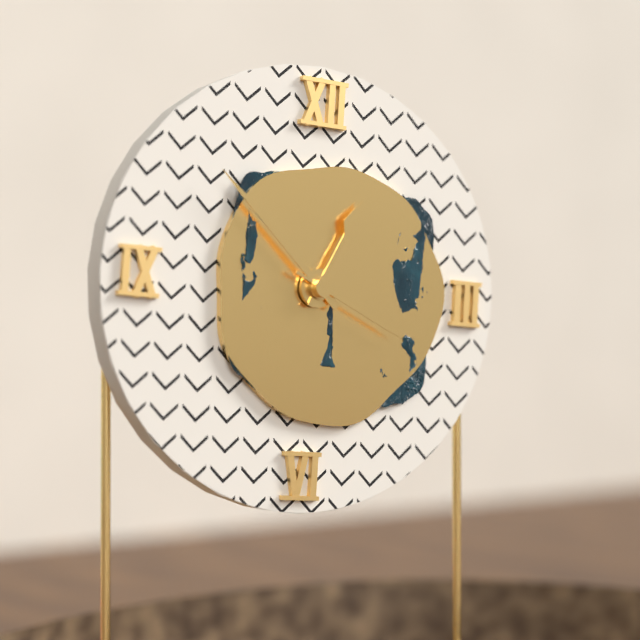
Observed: 12.52.19
